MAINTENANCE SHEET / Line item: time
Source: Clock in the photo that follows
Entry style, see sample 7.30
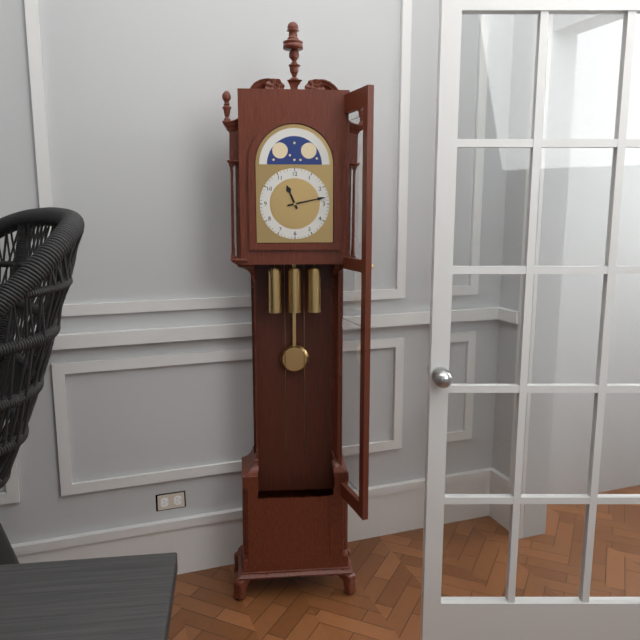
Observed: 11.13
